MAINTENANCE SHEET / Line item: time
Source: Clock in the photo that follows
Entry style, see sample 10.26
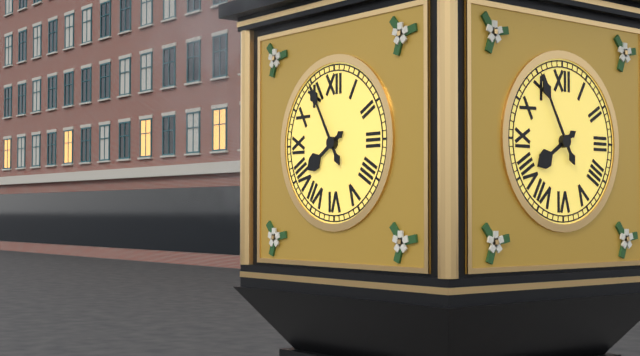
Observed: 7.55
